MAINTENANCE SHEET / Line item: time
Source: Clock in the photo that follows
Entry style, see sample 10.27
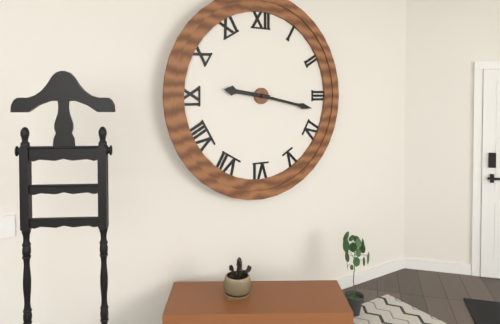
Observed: 9.17
